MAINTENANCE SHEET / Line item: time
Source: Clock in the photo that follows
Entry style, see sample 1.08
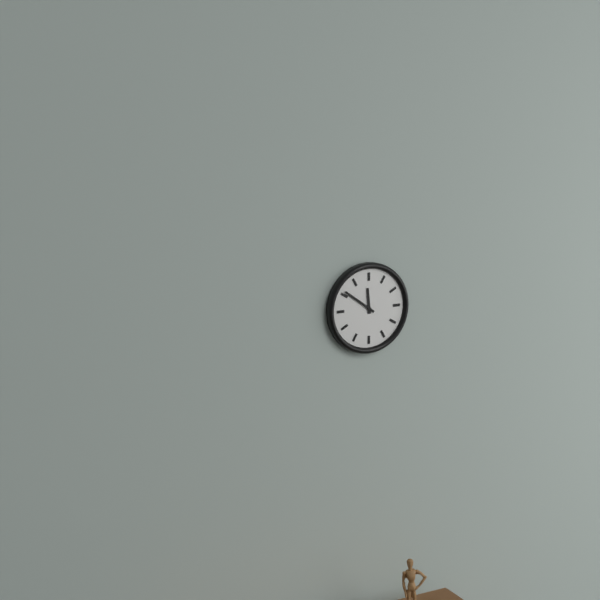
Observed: 11.51
